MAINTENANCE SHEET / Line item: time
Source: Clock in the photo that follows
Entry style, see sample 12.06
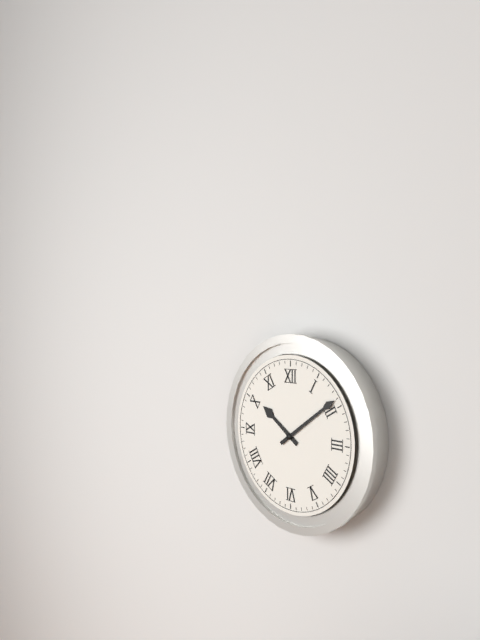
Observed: 10.09
